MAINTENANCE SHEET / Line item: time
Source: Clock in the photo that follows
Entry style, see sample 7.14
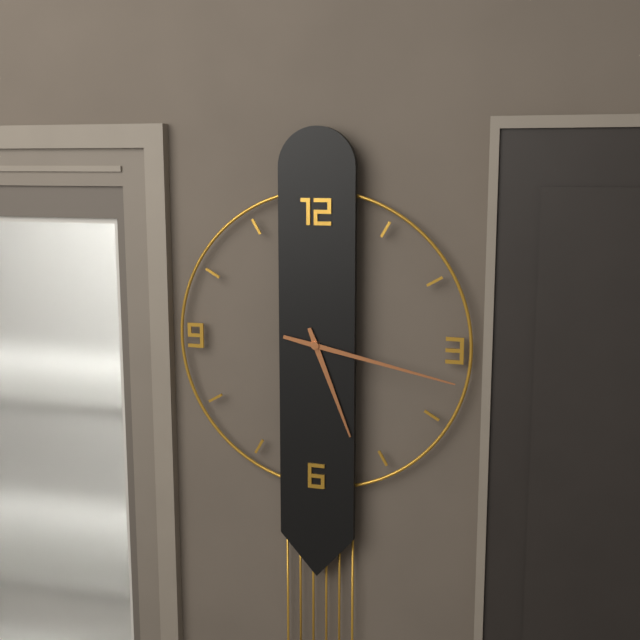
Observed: 5.17
